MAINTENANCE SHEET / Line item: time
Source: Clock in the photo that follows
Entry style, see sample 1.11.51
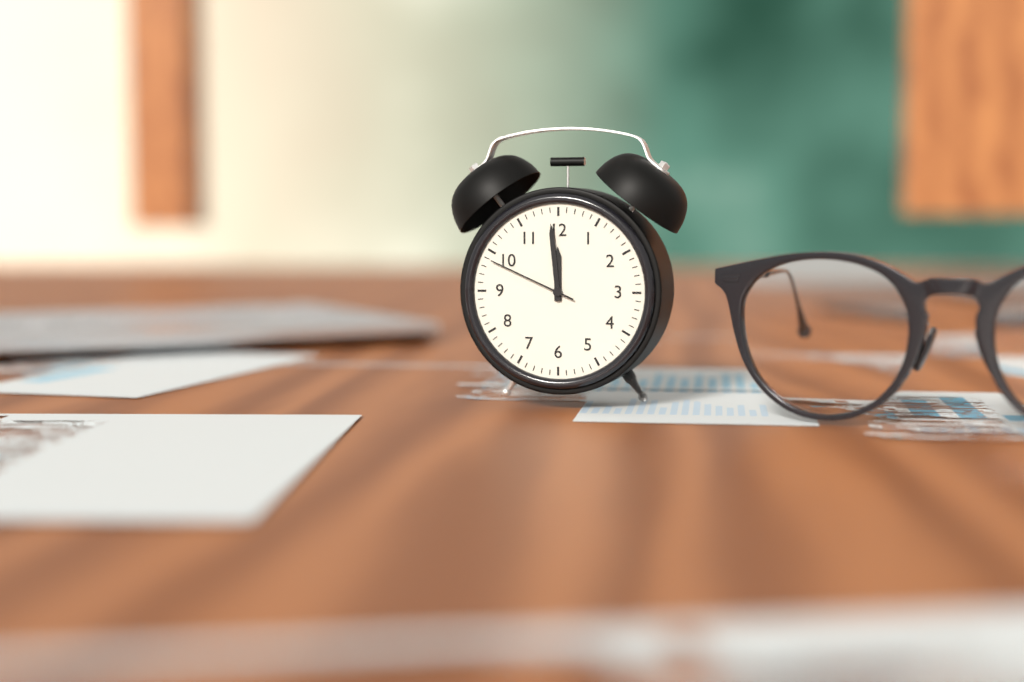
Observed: 11.59.49
